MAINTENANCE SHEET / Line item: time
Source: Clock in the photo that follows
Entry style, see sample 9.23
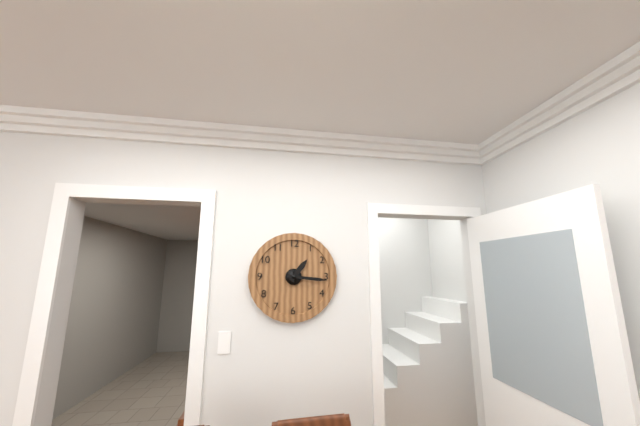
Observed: 1.16
